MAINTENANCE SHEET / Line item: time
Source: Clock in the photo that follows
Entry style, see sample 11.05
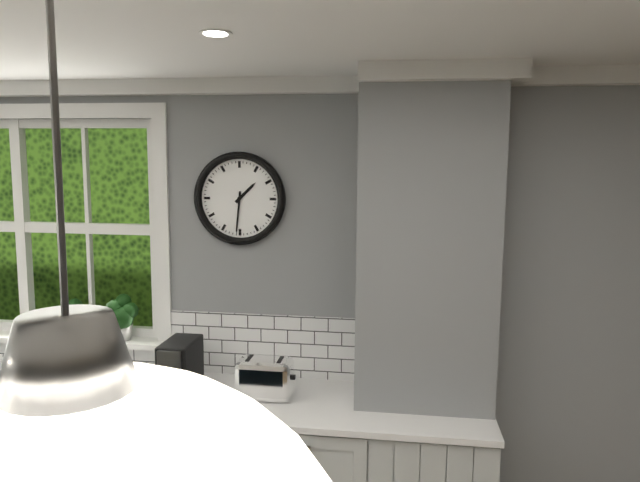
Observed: 1.31
